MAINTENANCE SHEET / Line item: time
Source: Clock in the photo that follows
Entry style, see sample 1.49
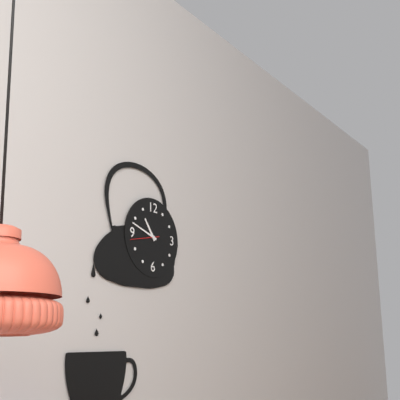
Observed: 10.48
